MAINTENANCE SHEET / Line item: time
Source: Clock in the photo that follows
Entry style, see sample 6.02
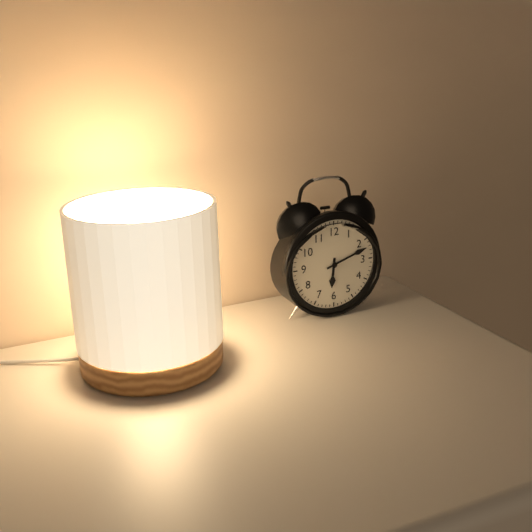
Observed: 6.12
